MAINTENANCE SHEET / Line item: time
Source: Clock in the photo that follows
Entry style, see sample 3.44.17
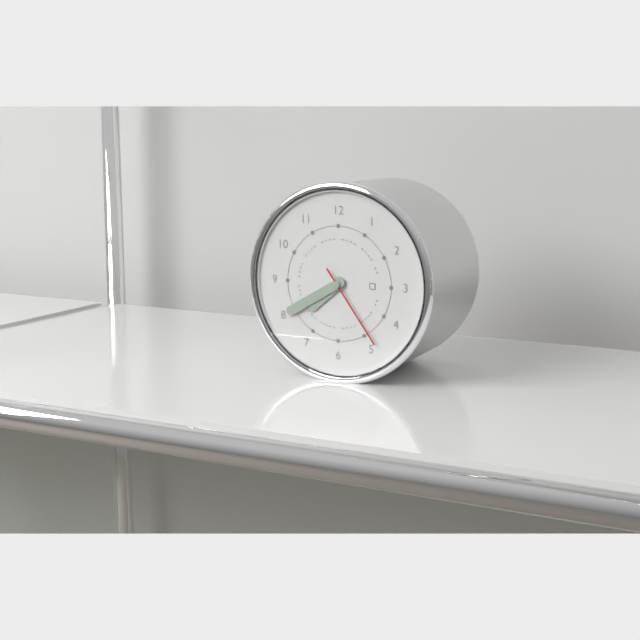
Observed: 7.40.24
